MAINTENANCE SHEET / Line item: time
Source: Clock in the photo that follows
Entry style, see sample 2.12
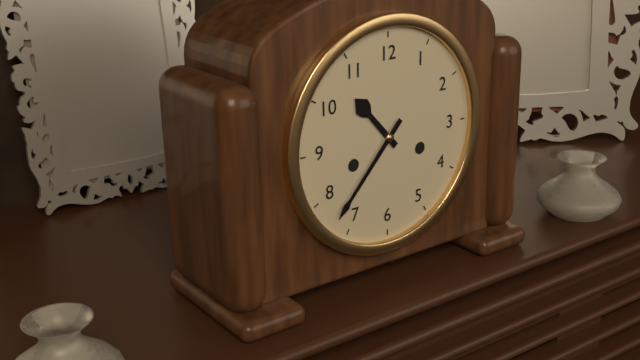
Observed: 10.37
